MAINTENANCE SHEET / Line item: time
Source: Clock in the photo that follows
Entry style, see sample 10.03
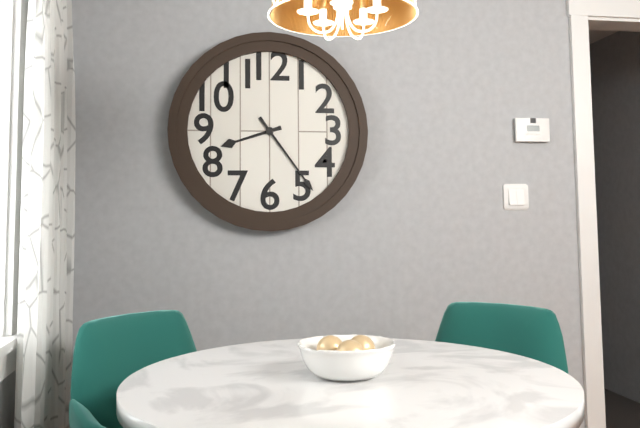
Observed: 8.24
